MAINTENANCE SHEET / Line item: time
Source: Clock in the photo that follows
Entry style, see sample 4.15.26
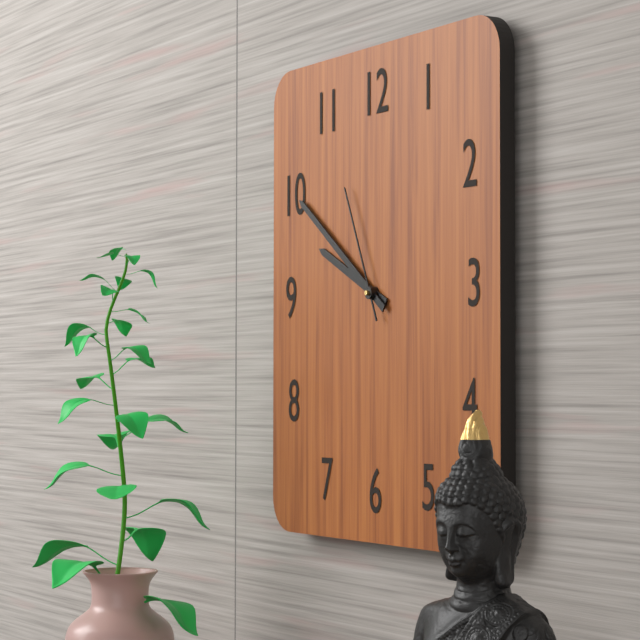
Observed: 9.51.56
